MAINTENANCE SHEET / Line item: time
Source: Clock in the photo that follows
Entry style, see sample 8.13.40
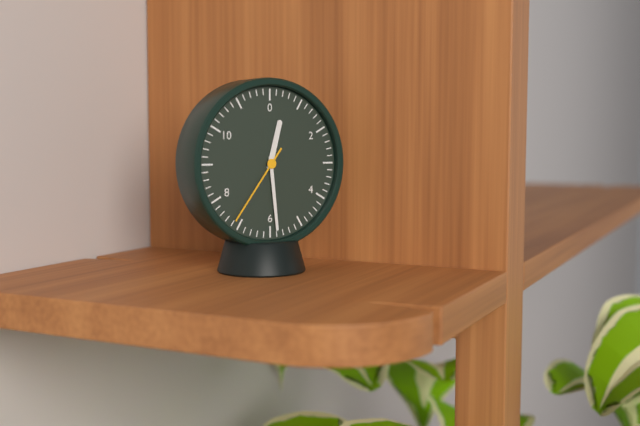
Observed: 12.29.36
